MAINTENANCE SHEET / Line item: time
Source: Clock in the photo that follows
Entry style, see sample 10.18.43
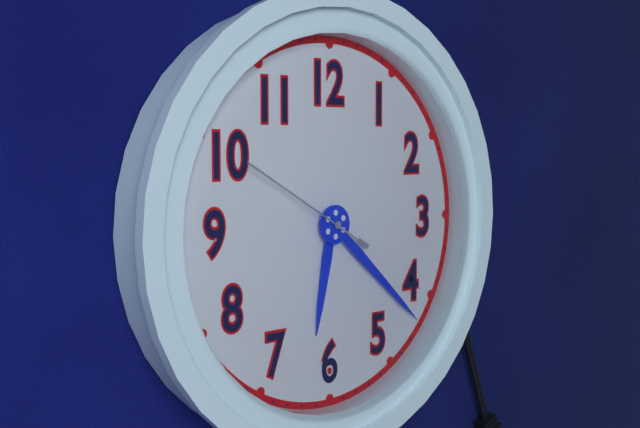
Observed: 6.22.50
